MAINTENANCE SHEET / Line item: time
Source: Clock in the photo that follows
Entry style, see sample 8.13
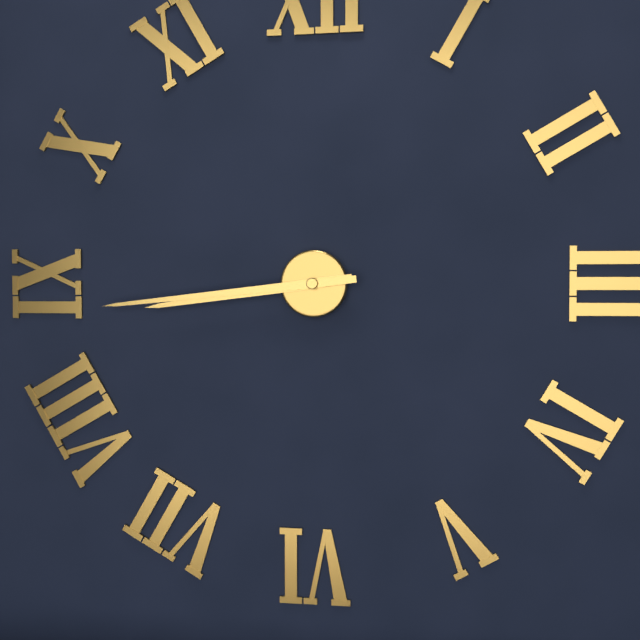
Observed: 8.44
